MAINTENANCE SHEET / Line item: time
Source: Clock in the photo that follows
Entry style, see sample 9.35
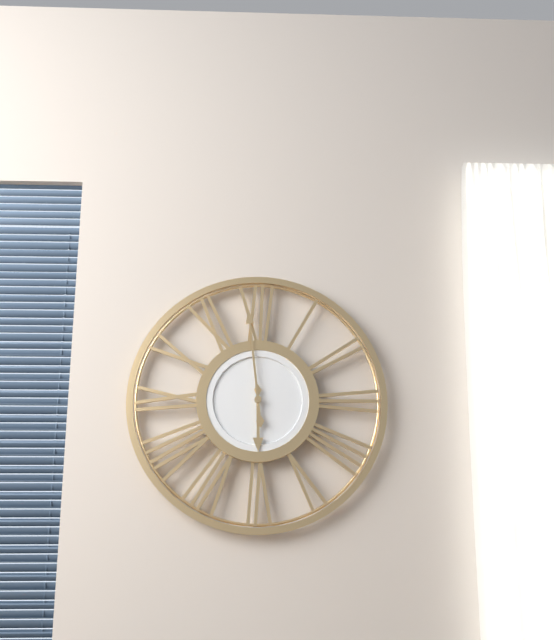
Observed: 5.59
